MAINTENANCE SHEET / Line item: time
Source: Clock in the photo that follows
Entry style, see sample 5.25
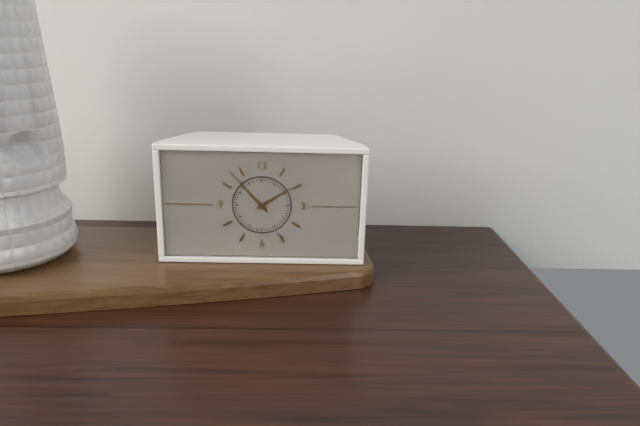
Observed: 1.53
